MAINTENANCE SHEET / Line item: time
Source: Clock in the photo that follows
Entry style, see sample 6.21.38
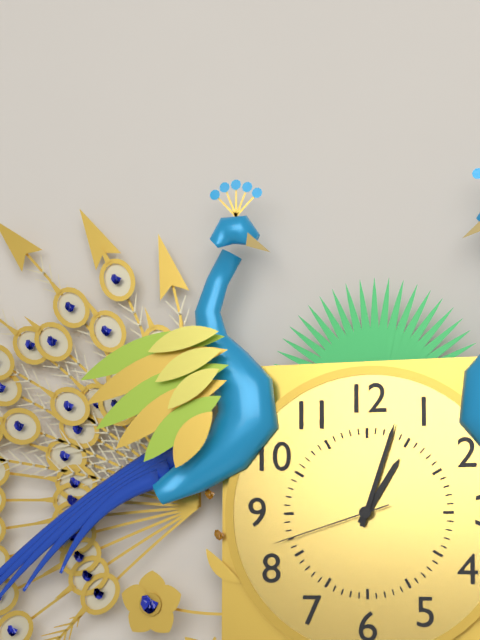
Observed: 1.03.42
